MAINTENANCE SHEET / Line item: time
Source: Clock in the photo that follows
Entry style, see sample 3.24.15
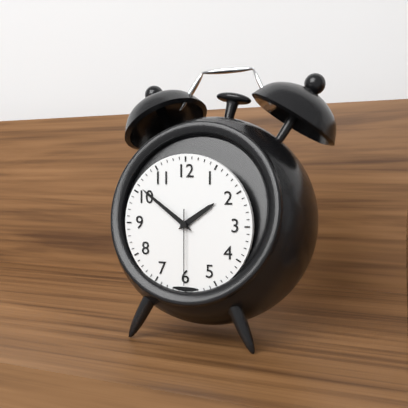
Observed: 1.51.30
